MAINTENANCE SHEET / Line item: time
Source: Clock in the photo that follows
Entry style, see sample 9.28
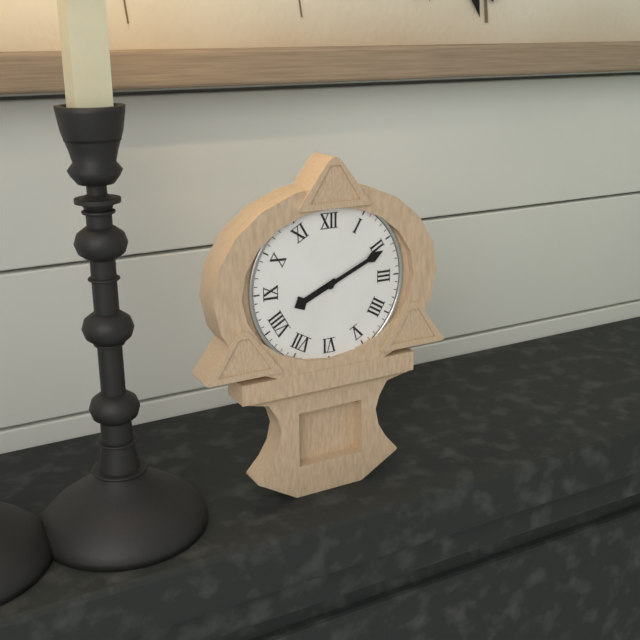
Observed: 8.11
